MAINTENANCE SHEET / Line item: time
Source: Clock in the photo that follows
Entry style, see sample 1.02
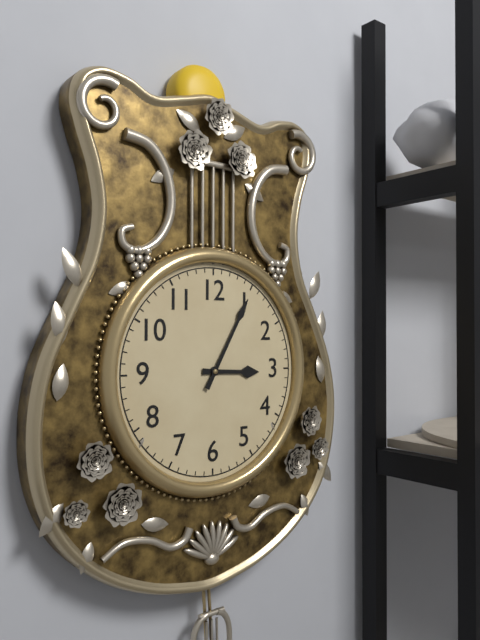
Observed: 3.05
